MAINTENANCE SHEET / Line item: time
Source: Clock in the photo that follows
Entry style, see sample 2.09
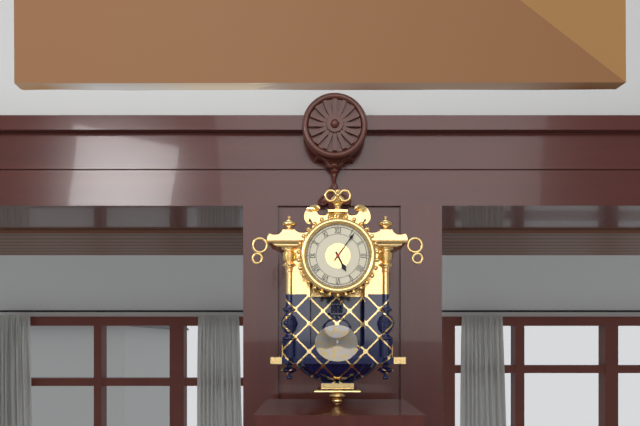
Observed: 5.06
